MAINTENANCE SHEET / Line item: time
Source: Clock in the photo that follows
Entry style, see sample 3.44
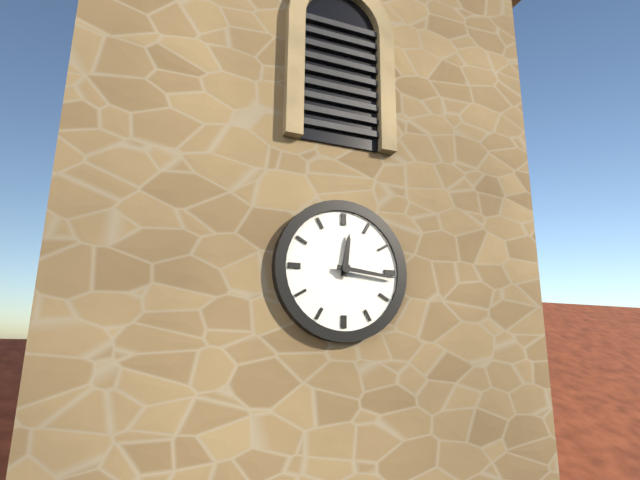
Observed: 12.16
